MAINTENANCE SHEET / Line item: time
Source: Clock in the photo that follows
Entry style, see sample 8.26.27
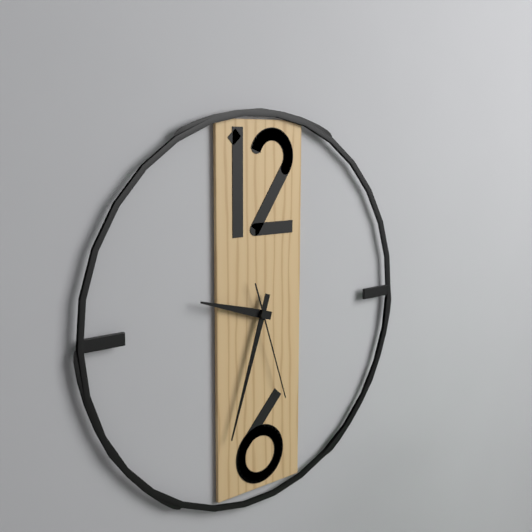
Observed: 9.33.27
